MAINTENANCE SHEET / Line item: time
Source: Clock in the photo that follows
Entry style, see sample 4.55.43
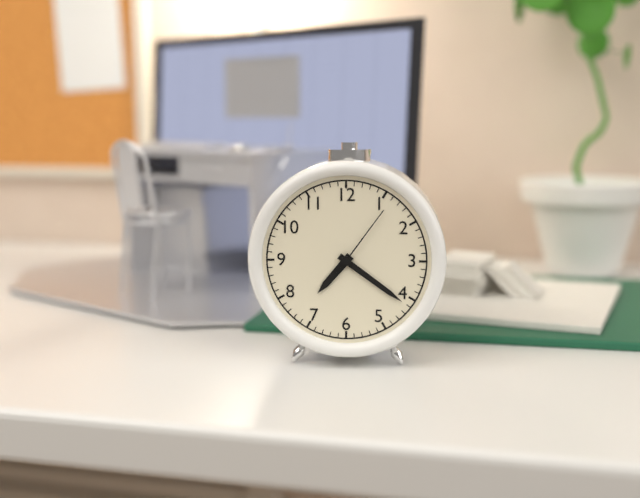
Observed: 7.21.06
